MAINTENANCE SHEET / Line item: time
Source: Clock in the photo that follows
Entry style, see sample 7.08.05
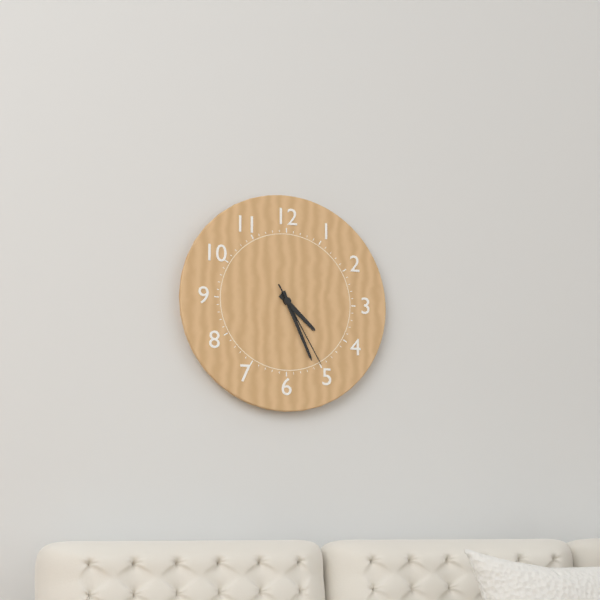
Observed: 4.26.25
